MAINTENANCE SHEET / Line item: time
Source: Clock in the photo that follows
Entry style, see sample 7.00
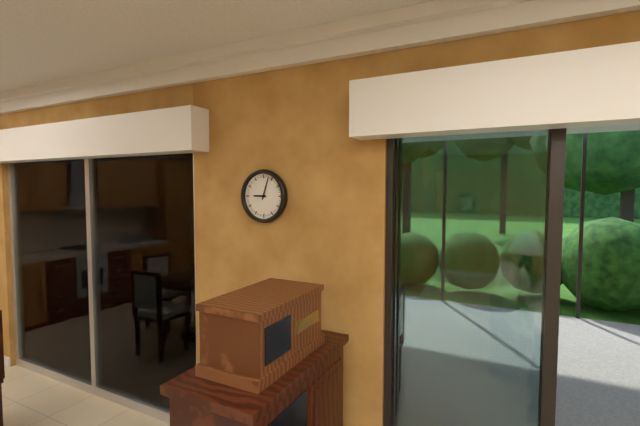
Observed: 9.03
